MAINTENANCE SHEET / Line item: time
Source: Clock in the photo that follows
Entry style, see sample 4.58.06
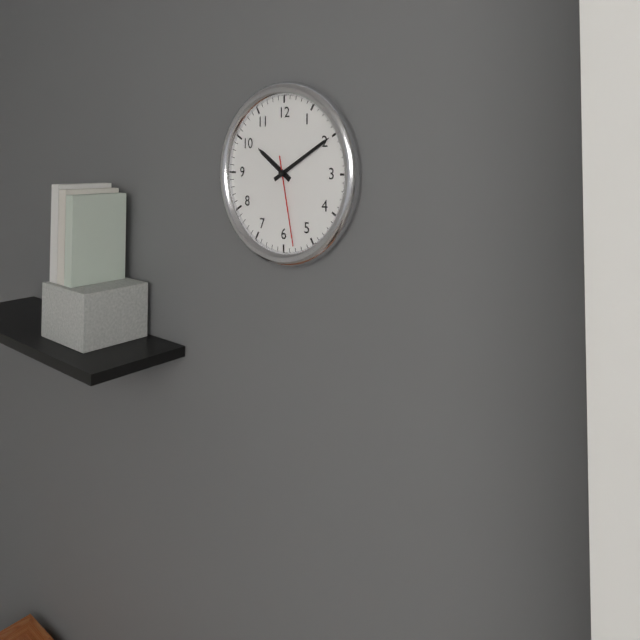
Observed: 10.10.28
